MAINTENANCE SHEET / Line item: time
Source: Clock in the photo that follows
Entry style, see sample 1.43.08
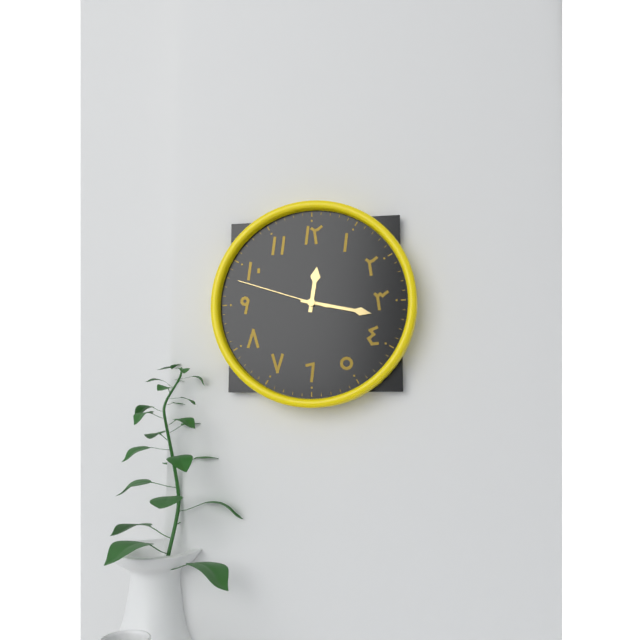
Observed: 12.17.48
